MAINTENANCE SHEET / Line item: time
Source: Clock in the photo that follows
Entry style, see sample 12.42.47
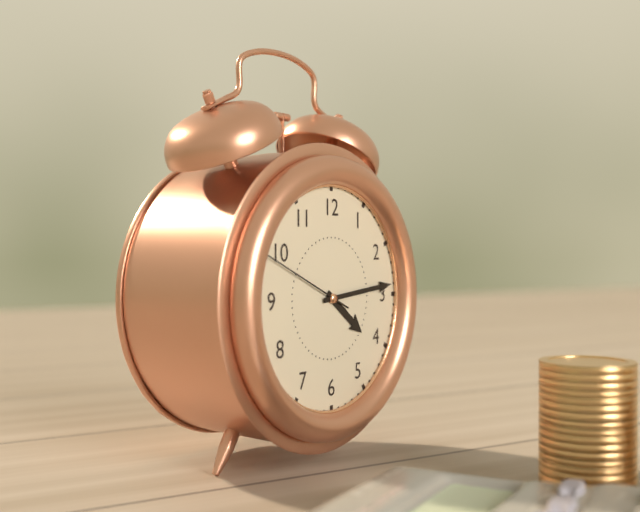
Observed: 4.14.49
